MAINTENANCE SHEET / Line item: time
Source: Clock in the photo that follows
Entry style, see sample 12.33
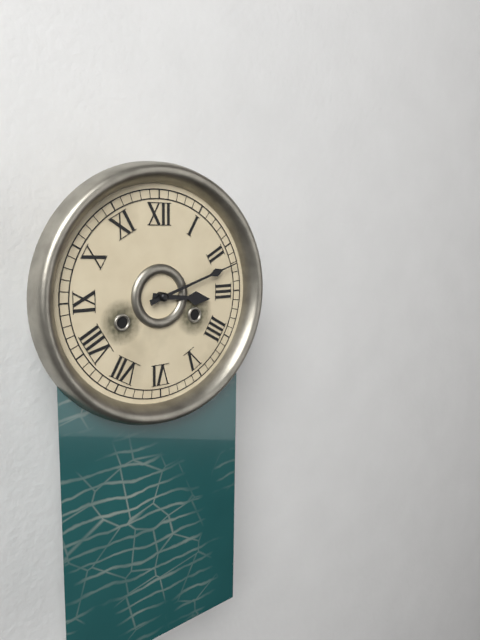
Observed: 3.12
